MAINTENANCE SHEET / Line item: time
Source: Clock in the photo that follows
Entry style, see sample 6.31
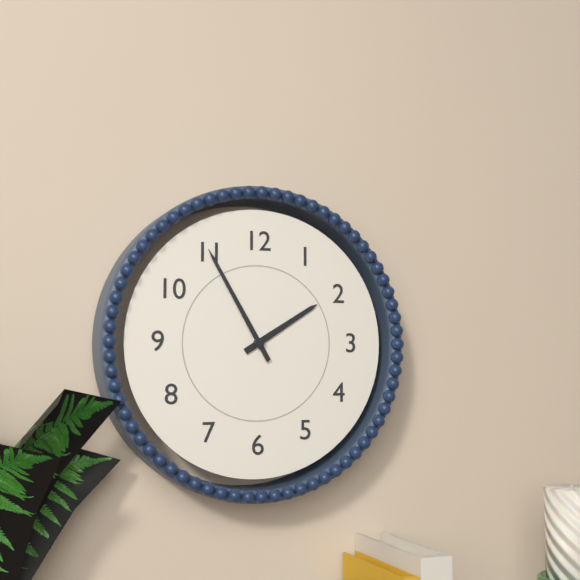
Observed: 1.55
